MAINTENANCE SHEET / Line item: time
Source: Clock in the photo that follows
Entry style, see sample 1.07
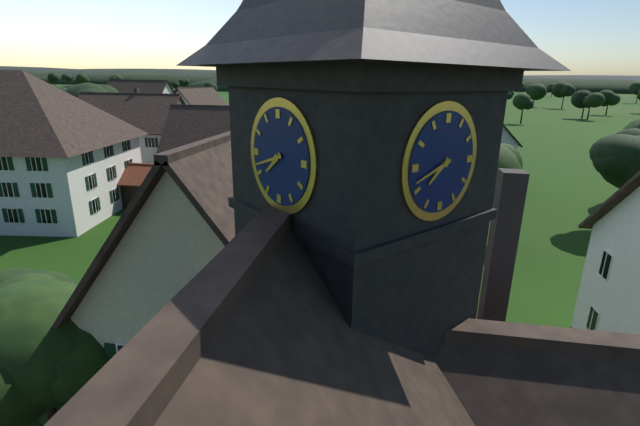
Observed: 7.42
